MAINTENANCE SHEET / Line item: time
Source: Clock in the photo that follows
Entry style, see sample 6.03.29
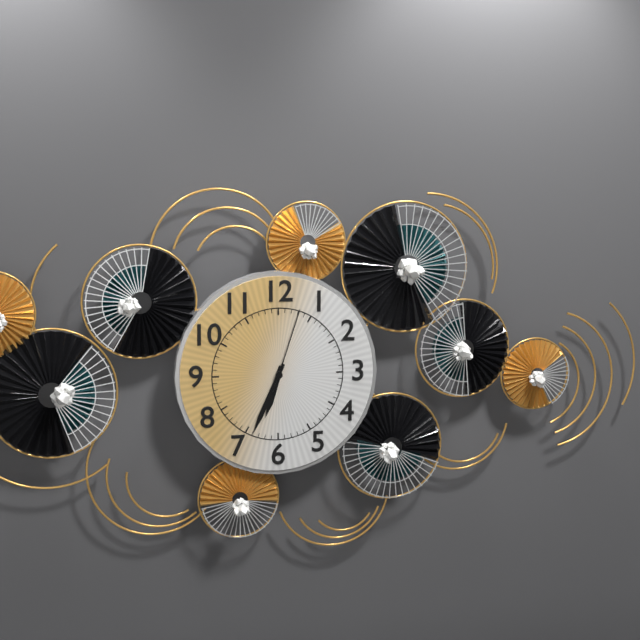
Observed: 6.34.03
